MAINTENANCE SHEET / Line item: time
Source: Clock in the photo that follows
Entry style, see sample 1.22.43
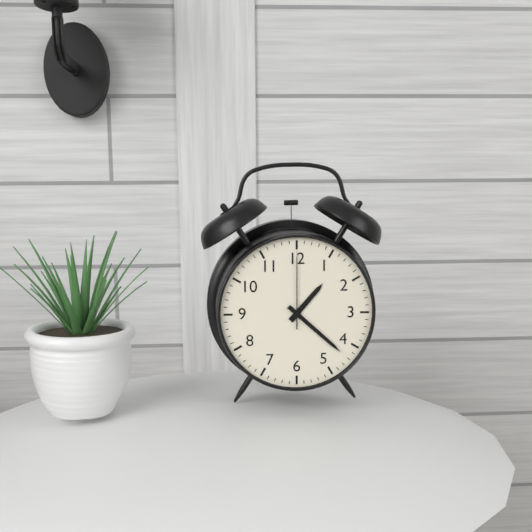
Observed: 1.22.00
